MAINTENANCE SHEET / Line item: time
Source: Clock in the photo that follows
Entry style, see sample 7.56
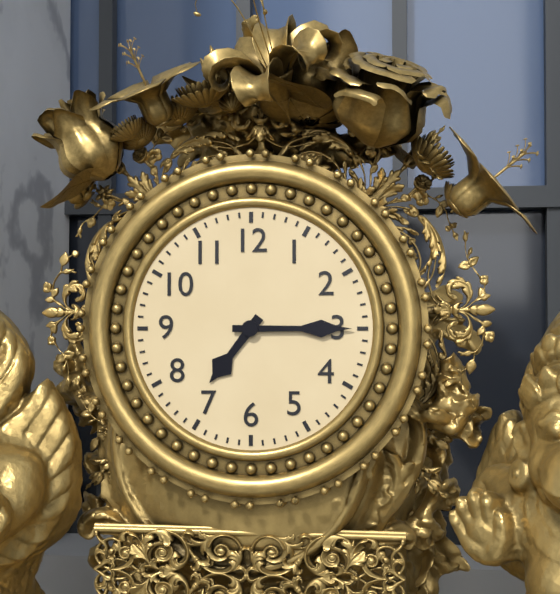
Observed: 7.15
